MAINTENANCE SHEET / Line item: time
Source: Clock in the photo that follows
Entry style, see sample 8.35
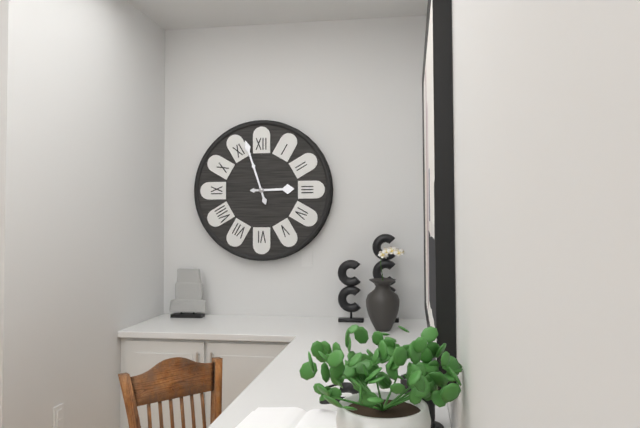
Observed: 2.57
